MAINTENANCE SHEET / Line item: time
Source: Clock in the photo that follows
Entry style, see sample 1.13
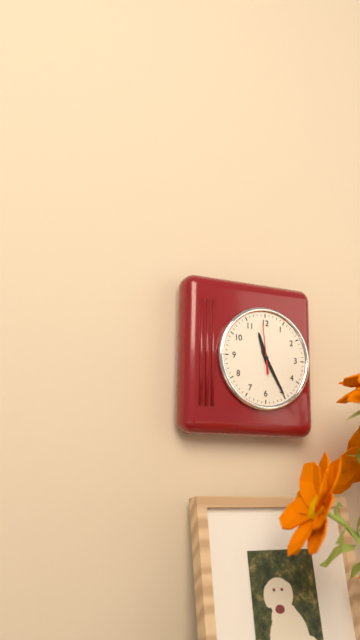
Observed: 11.25
